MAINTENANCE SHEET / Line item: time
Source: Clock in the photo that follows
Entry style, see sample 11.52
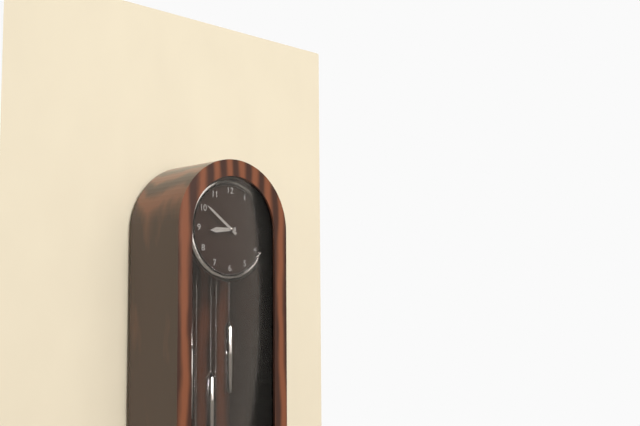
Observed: 8.51
